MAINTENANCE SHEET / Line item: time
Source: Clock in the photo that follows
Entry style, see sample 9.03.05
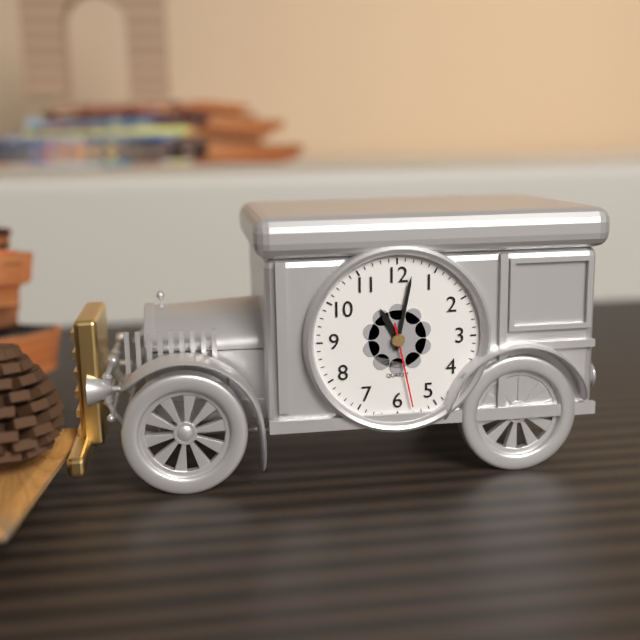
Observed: 11.02.28
